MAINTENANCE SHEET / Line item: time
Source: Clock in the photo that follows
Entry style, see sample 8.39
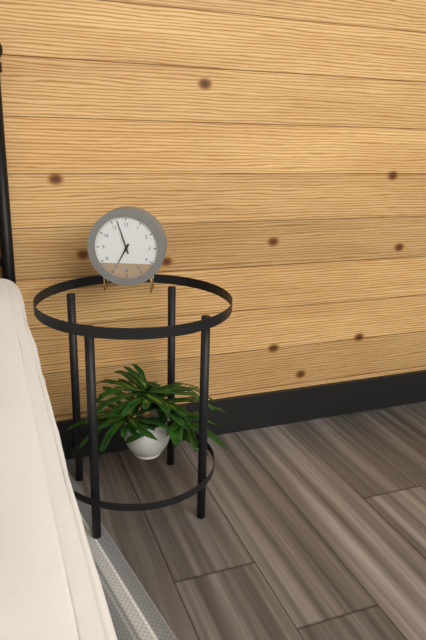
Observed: 6.57
